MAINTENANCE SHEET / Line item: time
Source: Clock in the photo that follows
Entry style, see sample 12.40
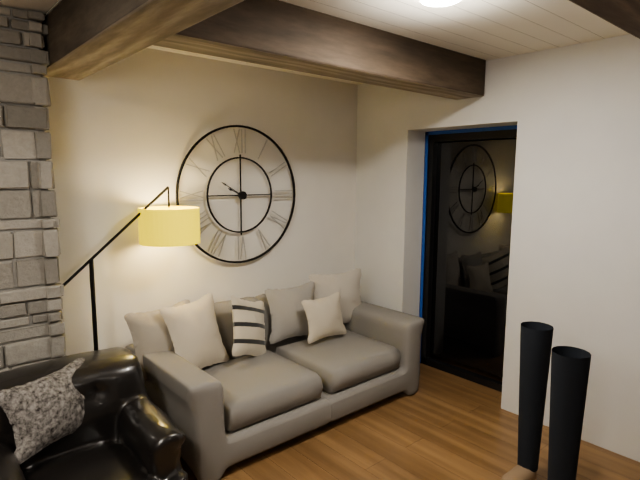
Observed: 9.50
